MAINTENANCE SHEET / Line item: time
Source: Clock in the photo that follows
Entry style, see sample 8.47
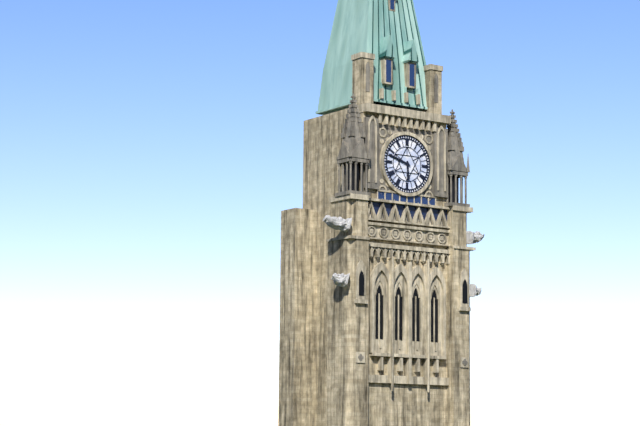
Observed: 5.48
